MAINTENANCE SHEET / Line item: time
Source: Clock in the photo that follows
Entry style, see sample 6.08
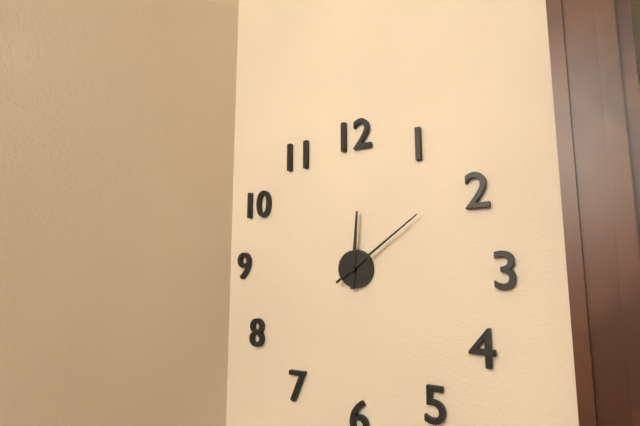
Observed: 12.09
